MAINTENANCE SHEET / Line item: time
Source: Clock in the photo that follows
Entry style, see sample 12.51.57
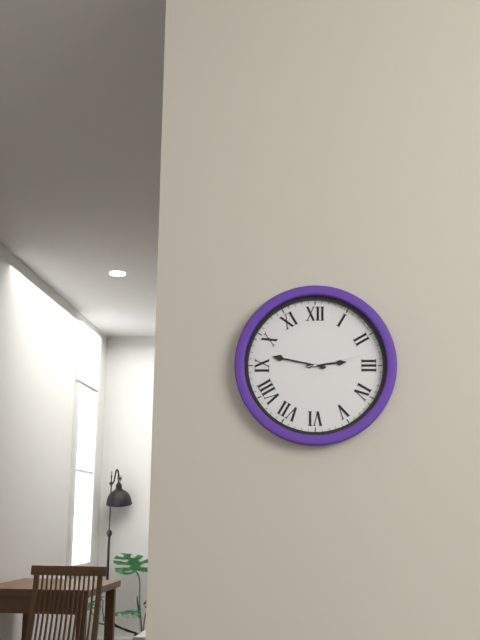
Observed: 2.47.13
